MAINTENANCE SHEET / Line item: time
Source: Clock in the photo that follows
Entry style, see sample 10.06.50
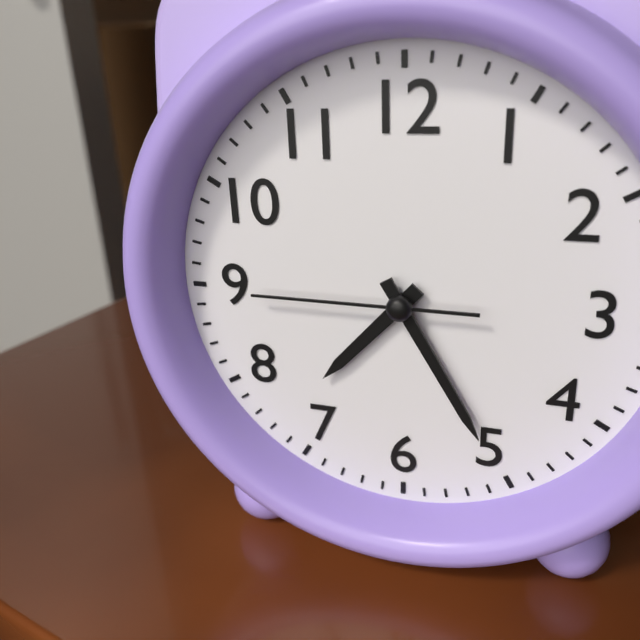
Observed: 7.25.45
